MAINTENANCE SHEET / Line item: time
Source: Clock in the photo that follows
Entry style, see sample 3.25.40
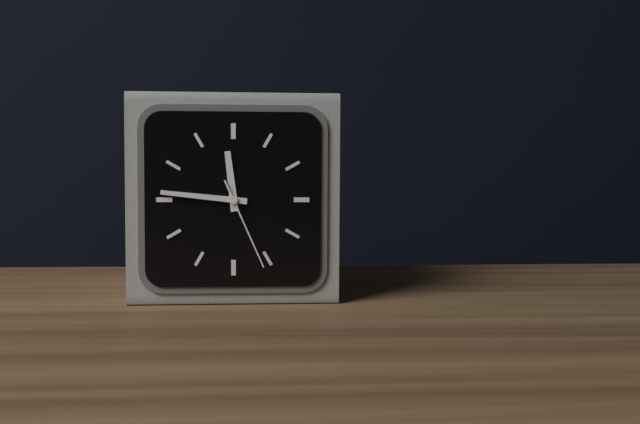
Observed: 11.46.26
